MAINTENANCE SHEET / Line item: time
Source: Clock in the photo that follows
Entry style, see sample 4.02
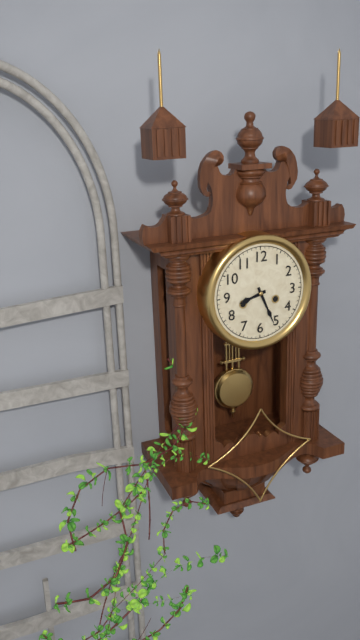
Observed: 8.26
